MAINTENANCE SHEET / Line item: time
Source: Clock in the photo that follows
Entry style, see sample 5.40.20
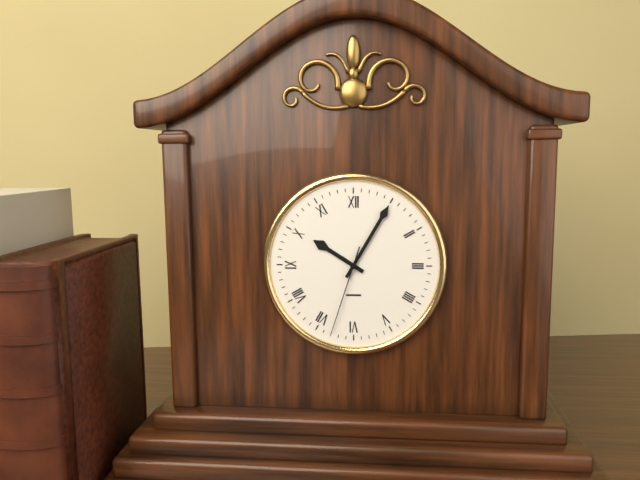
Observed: 10.05.33
